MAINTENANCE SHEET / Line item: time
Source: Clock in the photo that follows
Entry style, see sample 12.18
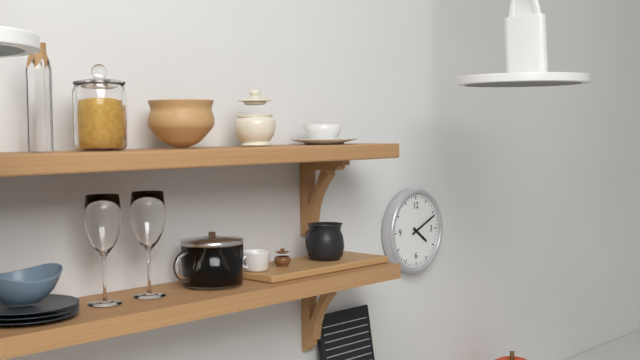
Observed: 4.11
